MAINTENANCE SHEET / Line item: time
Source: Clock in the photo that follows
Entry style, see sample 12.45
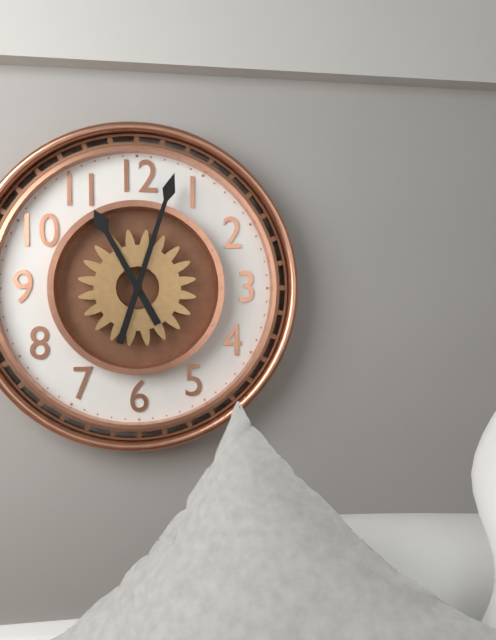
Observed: 11.03
